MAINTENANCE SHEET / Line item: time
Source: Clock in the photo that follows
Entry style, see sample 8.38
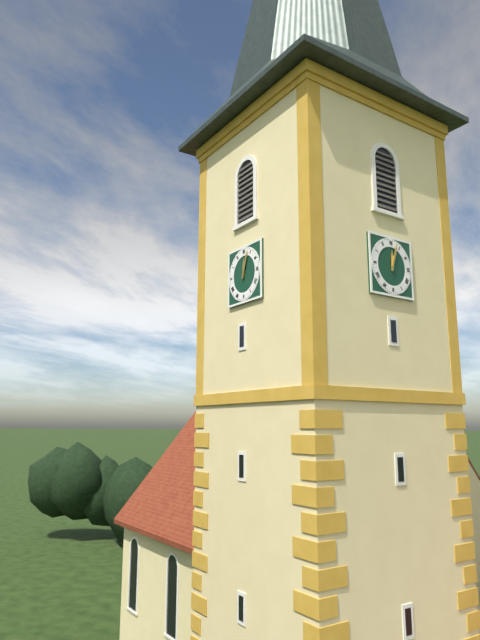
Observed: 12.03
